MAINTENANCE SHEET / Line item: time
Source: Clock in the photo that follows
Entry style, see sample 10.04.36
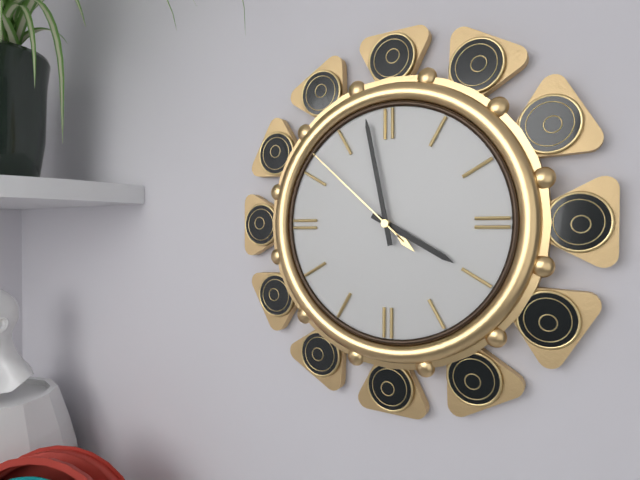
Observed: 3.58.52
